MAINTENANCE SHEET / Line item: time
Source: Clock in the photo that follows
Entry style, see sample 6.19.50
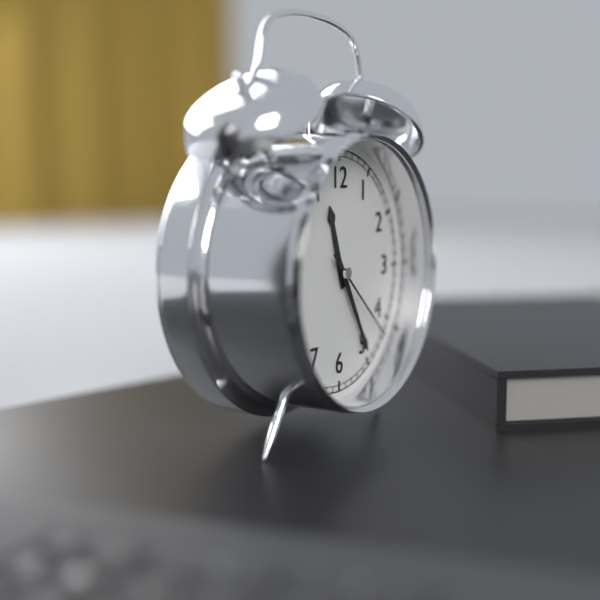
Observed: 11.25.22
